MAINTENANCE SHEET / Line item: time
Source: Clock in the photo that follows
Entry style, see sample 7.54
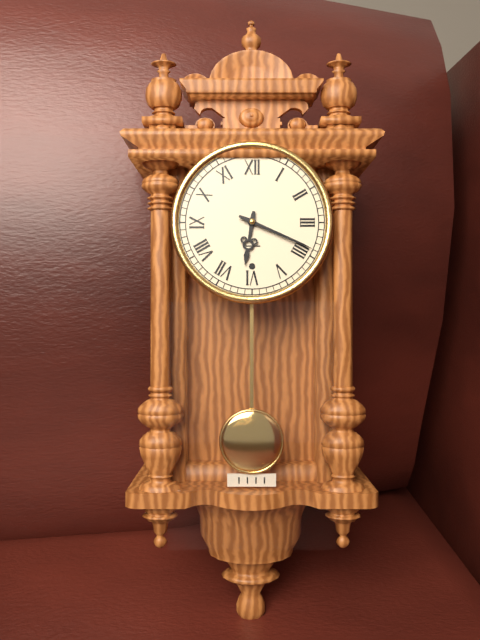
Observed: 6.19
